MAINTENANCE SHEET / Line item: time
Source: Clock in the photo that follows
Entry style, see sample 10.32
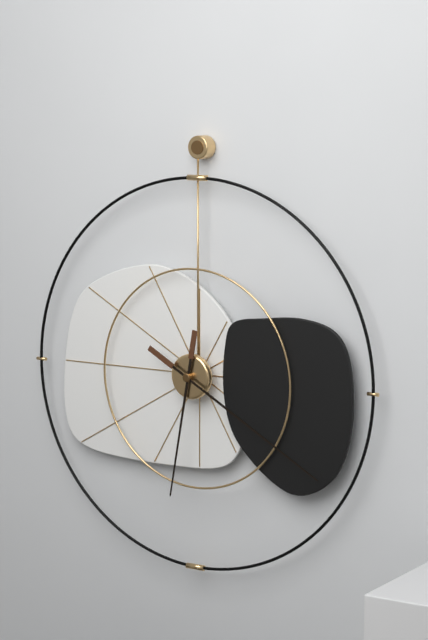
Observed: 6.20
